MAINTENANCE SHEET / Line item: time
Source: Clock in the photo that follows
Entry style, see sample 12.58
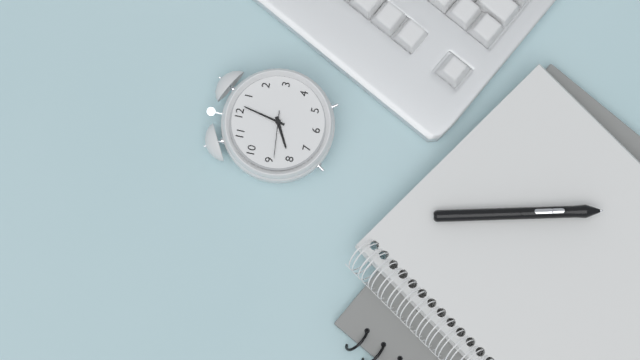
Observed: 8.02
